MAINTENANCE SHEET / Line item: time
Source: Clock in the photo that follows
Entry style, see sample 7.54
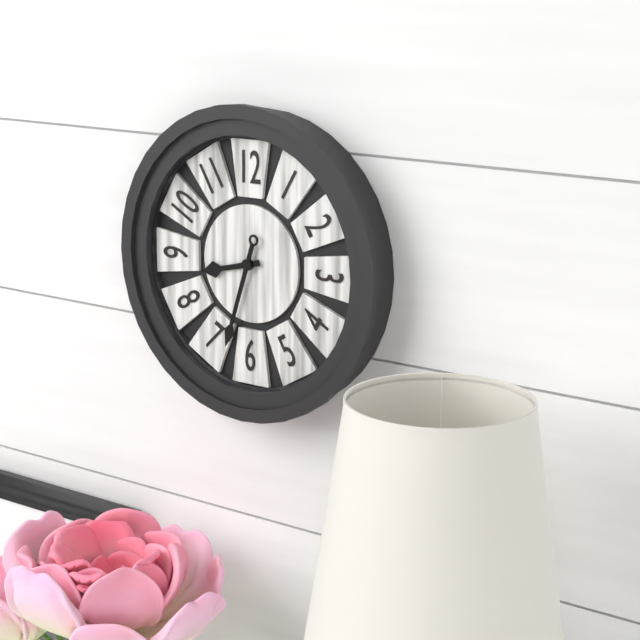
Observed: 8.33
